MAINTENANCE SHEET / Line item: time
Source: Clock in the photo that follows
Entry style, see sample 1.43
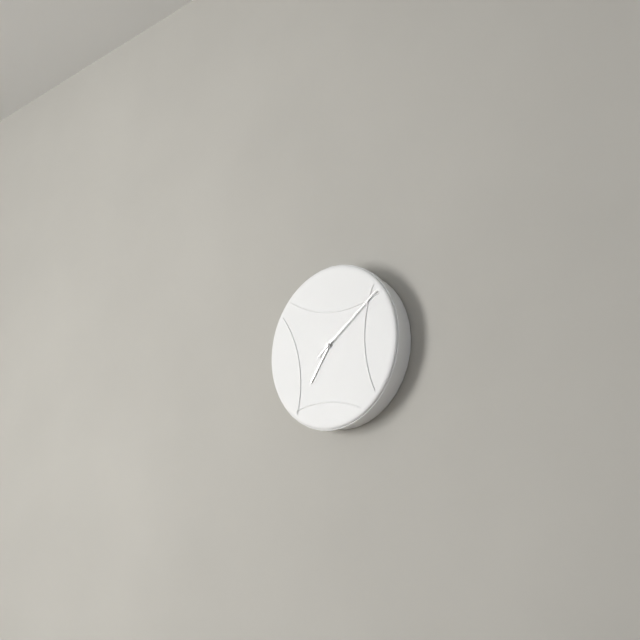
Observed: 7.09
